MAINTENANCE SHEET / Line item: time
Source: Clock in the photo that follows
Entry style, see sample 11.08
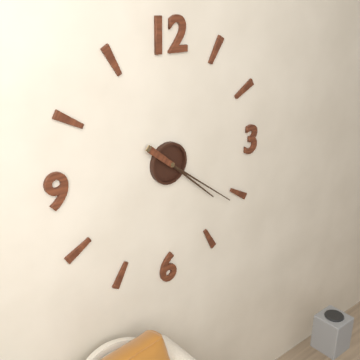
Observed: 4.21
